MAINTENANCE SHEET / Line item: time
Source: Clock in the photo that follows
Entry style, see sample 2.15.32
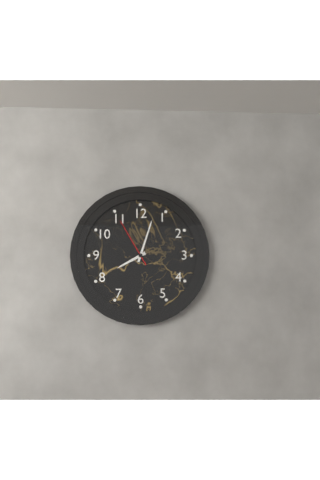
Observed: 8.03.55
